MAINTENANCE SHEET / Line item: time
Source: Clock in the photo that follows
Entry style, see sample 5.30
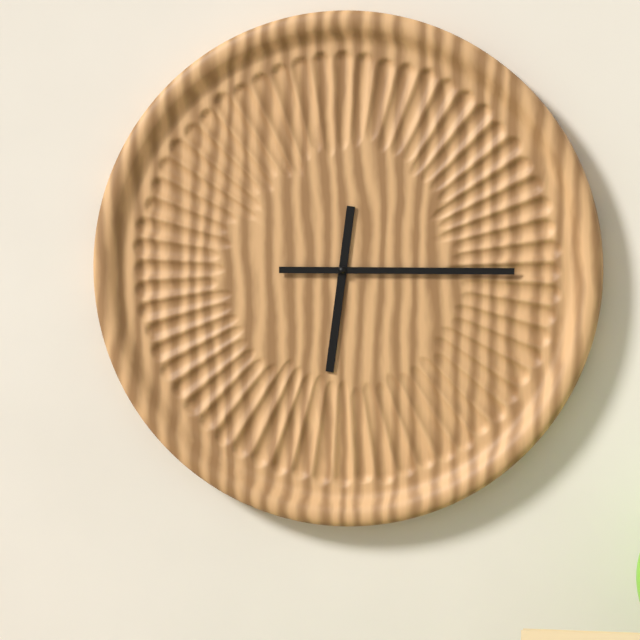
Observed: 6.15
